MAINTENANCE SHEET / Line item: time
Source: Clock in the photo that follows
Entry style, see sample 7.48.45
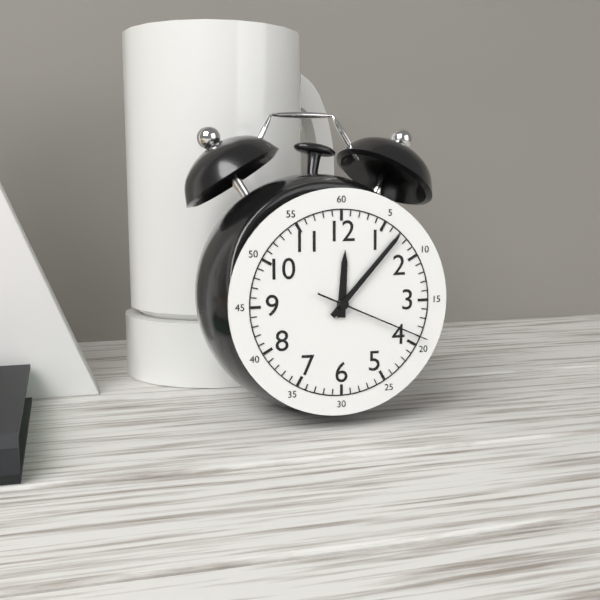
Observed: 12.07.19
